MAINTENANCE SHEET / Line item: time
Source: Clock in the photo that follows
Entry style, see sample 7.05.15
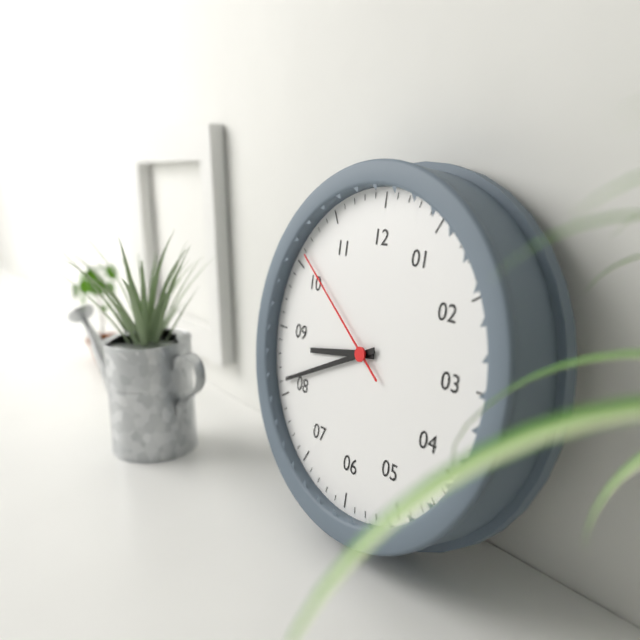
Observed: 8.41.51
